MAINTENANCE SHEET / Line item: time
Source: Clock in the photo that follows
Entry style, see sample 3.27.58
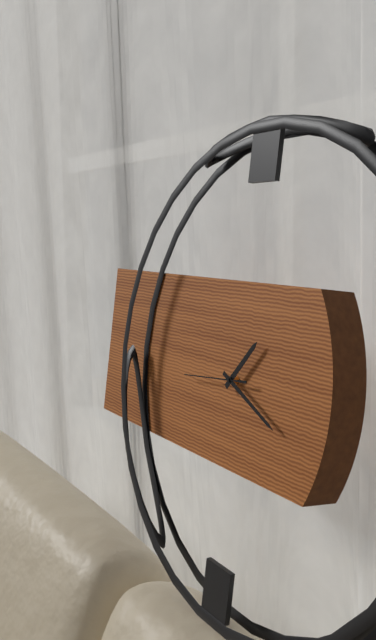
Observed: 1.19.44
